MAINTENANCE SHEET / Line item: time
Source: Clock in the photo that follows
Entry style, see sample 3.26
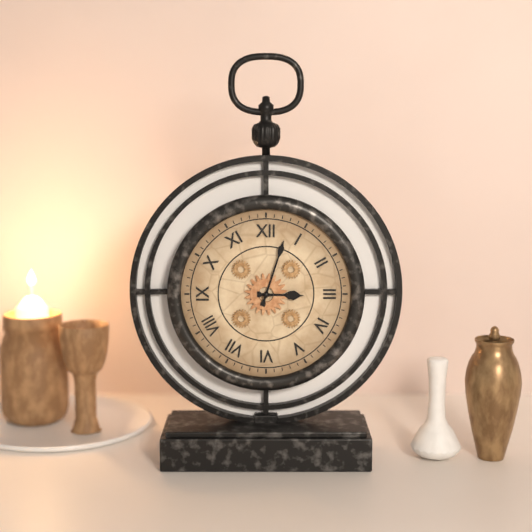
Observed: 3.03
